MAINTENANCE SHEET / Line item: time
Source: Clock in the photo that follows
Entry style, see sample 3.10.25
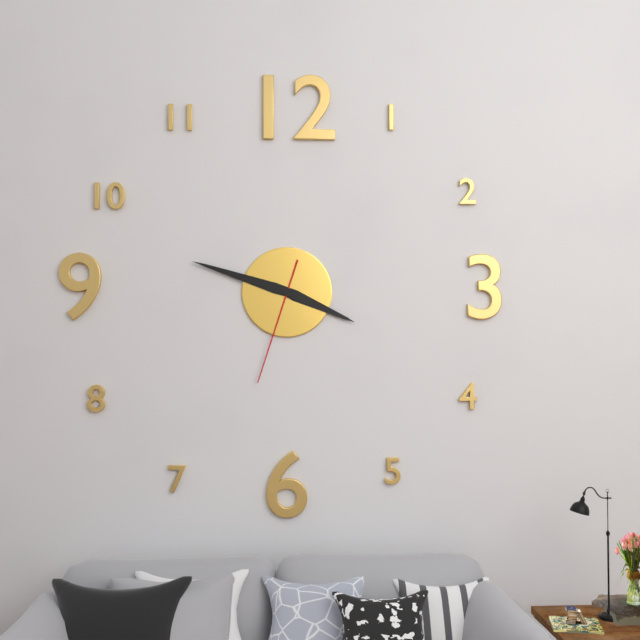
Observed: 3.48.33
